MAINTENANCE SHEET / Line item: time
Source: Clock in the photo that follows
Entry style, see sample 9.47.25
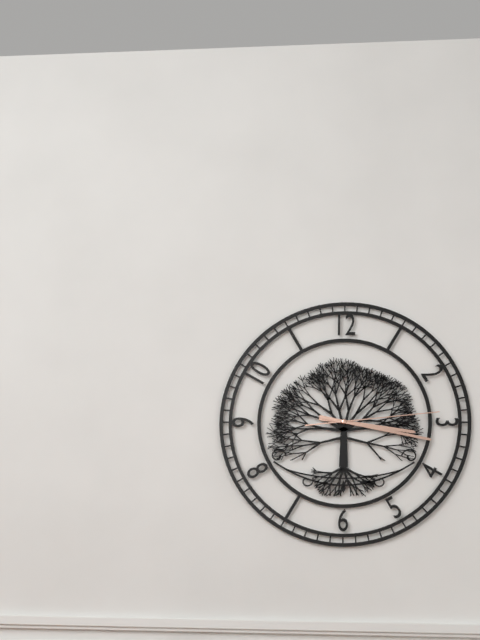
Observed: 3.17.14
